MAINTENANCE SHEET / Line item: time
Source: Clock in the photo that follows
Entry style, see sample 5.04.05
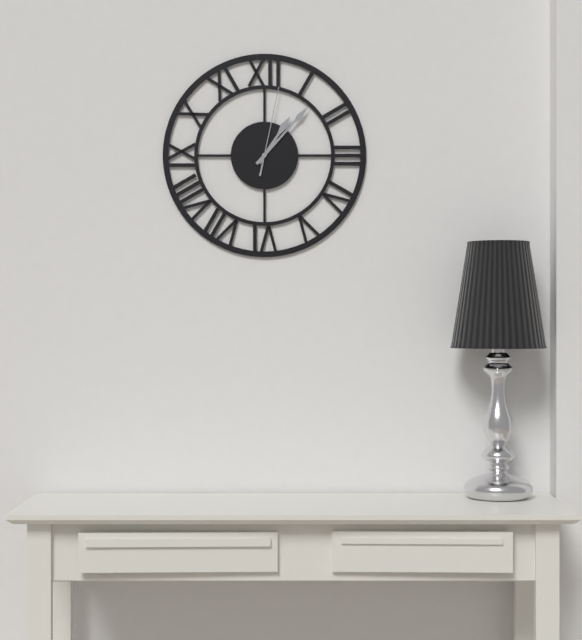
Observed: 1.07.02
